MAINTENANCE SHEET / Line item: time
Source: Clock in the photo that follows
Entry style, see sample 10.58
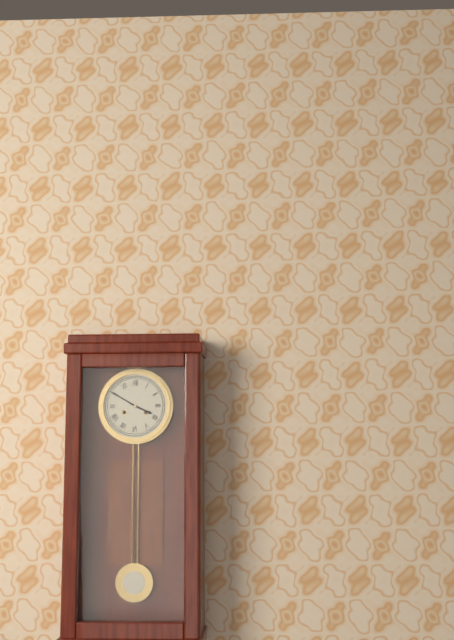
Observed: 3.50
